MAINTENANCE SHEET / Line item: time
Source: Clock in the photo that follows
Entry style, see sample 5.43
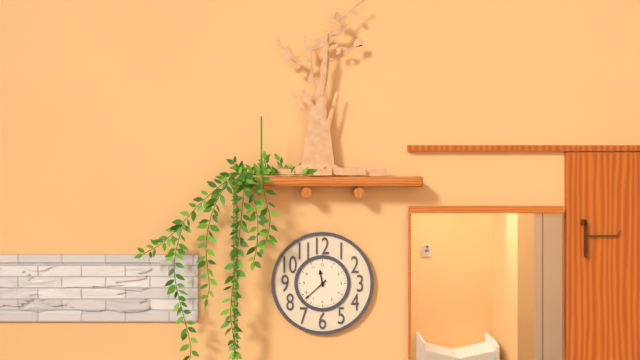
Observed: 11.38
